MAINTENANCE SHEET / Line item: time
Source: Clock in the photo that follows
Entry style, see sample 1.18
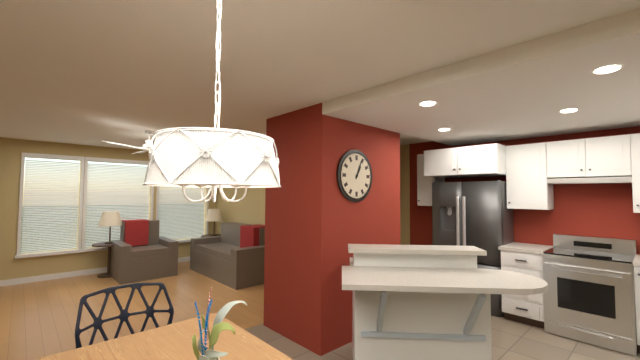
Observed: 1.04
